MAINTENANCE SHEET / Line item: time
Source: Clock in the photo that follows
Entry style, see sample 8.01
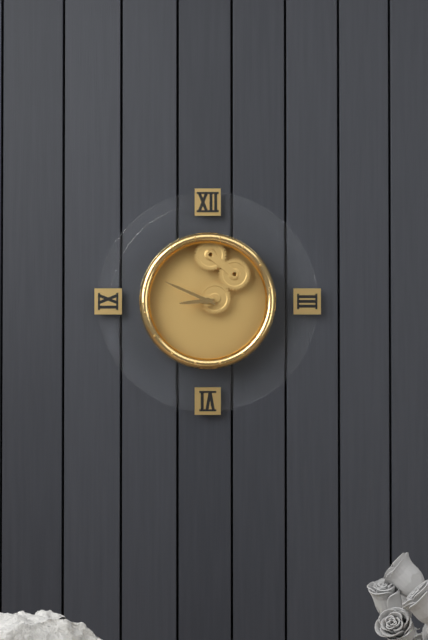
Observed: 8.49
